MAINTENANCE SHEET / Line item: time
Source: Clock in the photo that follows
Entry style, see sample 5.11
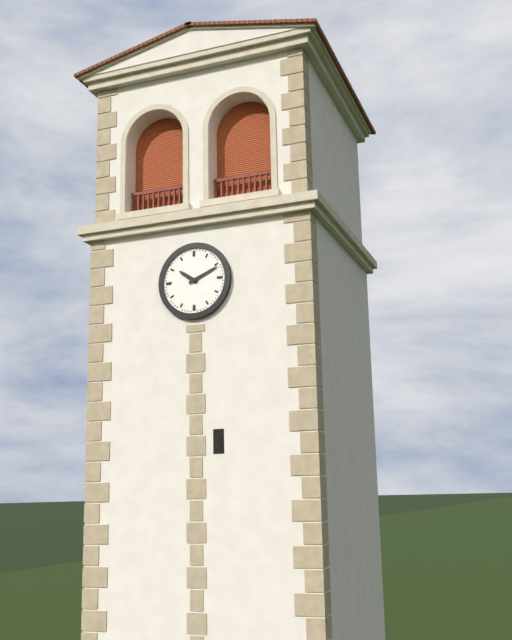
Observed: 10.11
